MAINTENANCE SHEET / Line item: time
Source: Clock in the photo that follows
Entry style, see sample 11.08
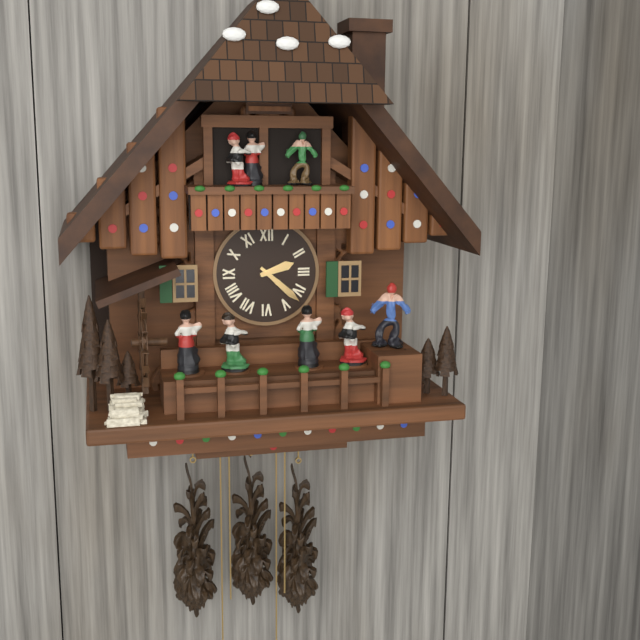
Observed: 2.22
